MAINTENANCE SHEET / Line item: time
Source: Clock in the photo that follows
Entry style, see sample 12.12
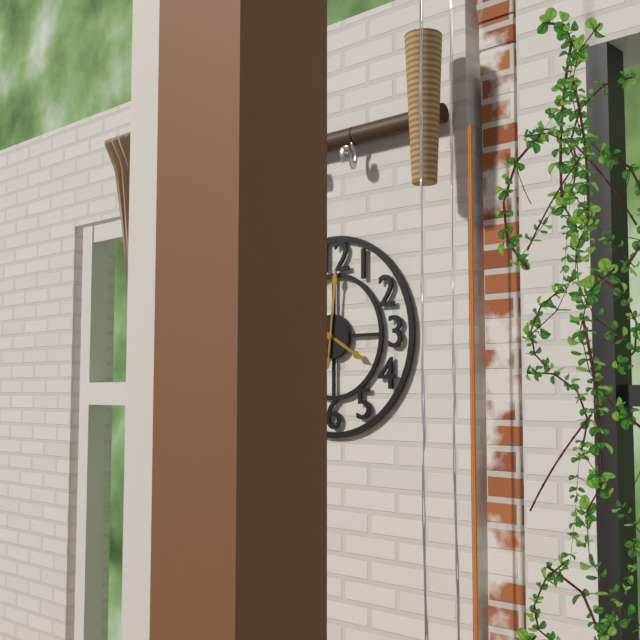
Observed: 4.01
